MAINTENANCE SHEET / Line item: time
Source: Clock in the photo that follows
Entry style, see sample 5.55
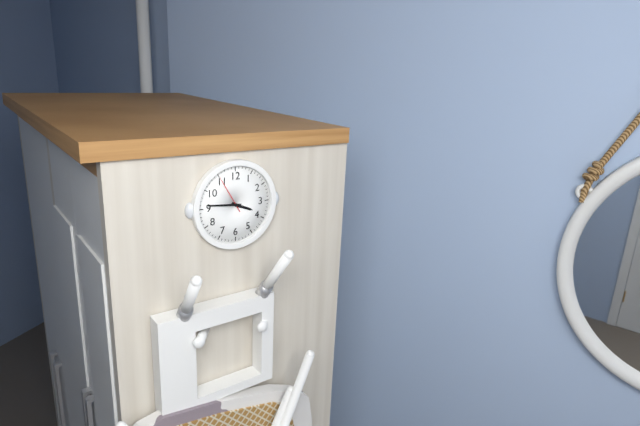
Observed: 3.46
